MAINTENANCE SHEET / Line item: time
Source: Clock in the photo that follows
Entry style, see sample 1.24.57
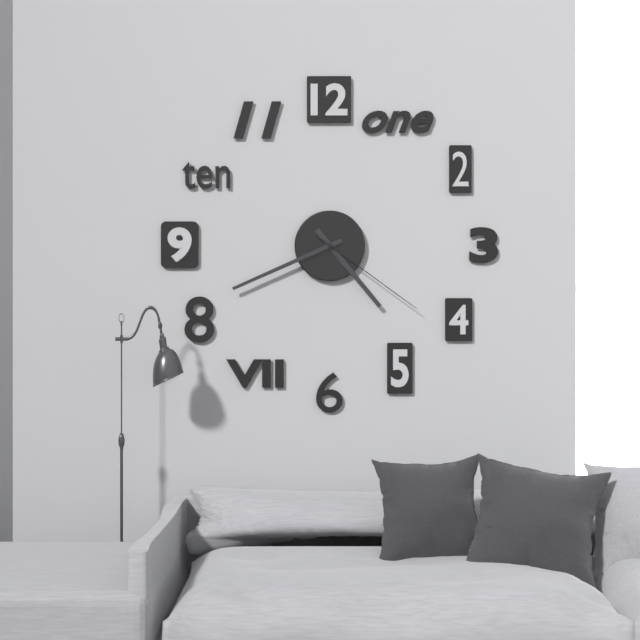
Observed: 4.41.21
